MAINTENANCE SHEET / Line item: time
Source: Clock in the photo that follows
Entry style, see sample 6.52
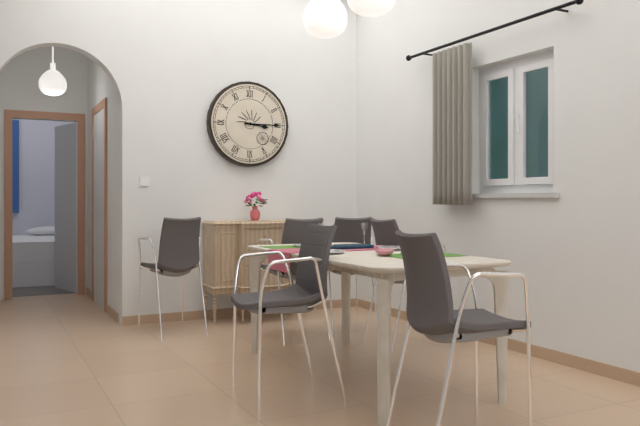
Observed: 3.15
